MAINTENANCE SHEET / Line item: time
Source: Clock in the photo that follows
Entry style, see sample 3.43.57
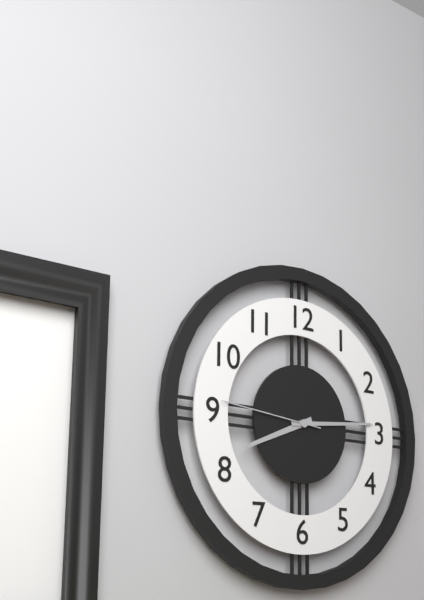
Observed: 8.14.46
